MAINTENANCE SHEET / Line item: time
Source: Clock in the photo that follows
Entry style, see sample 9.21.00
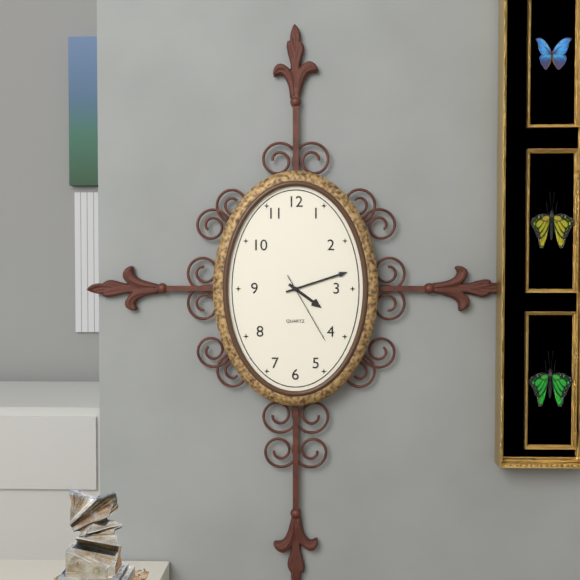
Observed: 4.12.25
